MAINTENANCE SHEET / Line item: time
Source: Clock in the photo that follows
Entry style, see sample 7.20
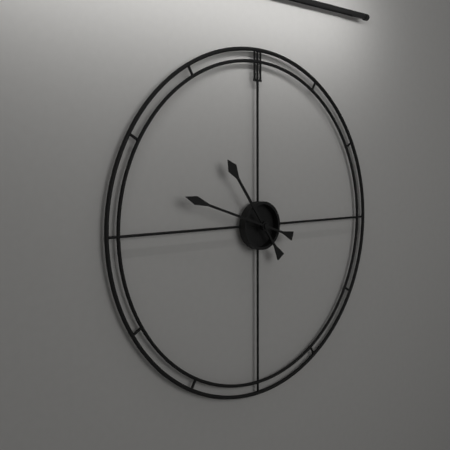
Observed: 10.48
